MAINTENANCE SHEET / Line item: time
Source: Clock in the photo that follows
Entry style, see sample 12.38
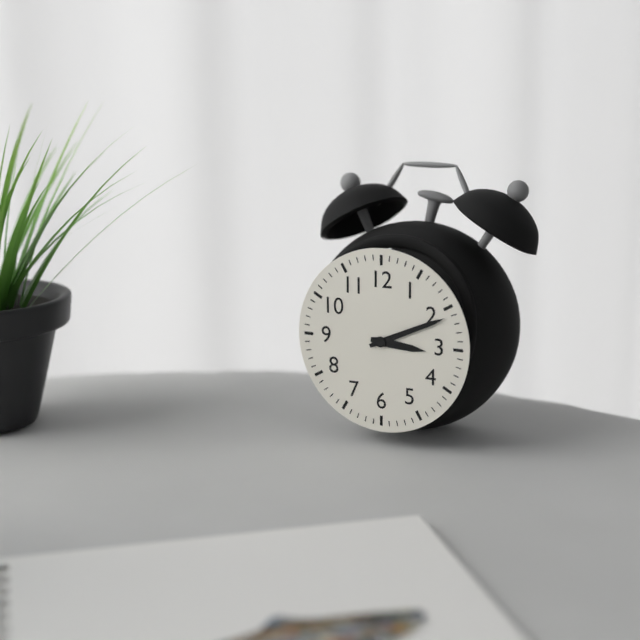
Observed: 3.11
